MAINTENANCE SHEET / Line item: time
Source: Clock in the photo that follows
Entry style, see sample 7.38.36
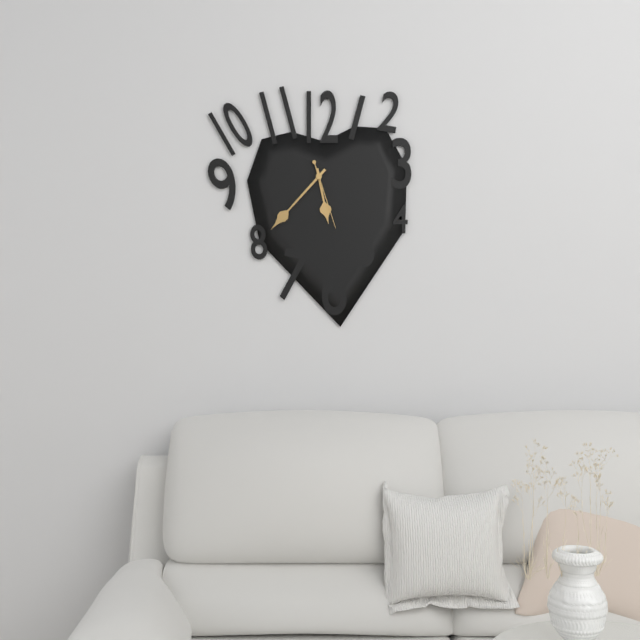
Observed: 5.37.27
